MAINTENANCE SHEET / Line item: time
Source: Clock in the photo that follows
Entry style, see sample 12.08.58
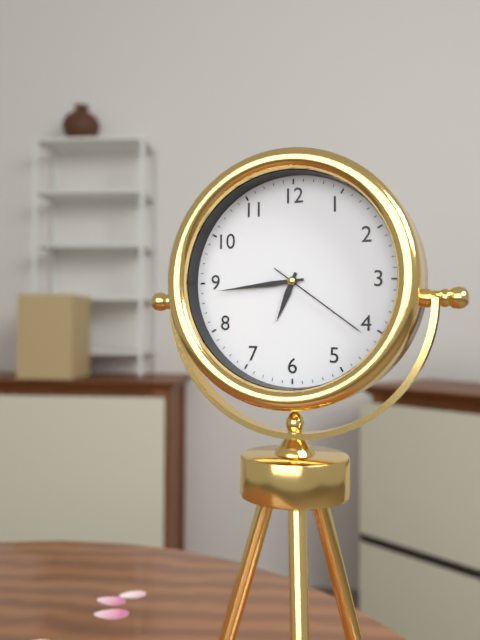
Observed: 6.44.21
